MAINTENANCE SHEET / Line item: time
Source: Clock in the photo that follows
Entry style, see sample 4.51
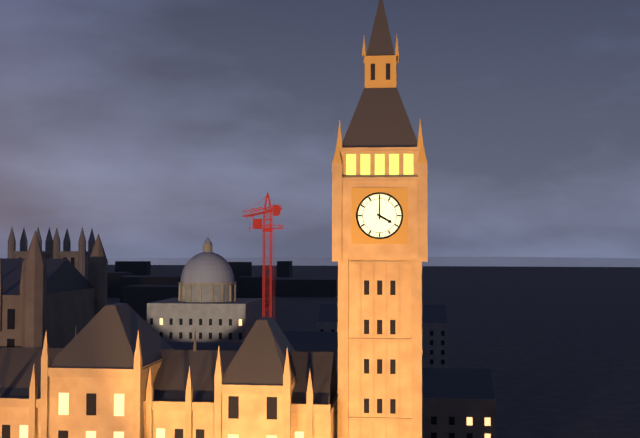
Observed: 4.00
